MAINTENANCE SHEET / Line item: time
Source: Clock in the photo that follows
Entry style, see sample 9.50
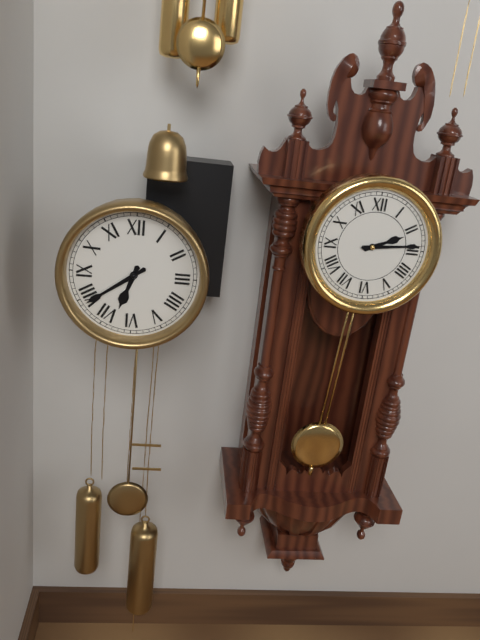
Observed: 6.39
